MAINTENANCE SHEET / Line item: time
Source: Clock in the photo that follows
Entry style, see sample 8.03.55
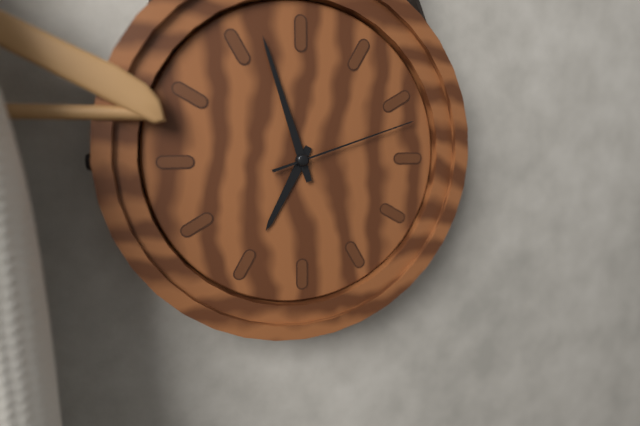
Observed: 6.57.12
